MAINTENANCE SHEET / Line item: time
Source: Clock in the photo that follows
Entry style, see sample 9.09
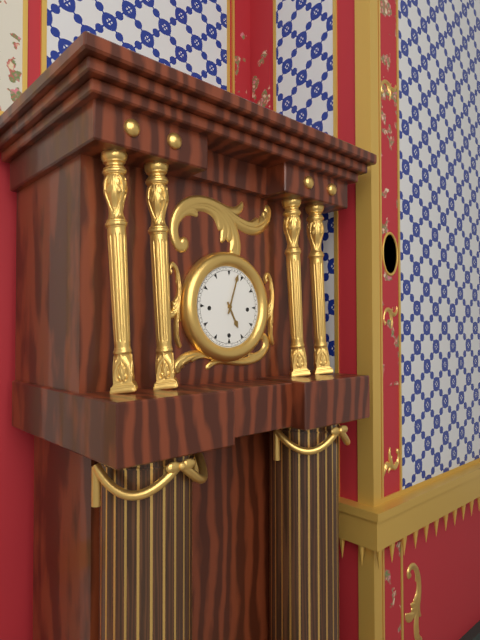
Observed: 5.03
